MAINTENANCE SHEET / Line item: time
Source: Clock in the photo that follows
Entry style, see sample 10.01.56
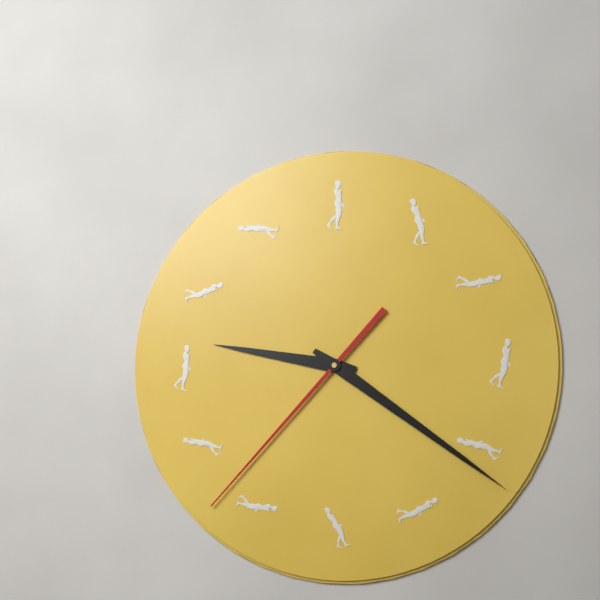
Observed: 9.21.37
